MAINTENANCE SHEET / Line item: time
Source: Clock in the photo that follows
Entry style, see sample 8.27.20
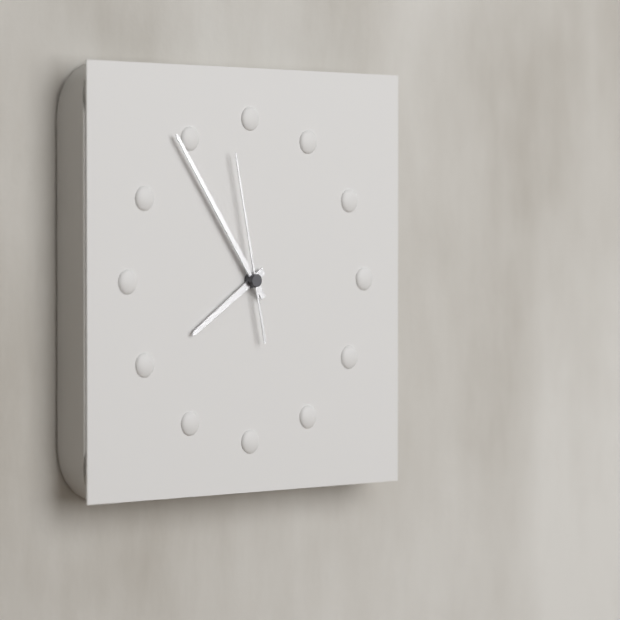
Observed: 7.54.58
